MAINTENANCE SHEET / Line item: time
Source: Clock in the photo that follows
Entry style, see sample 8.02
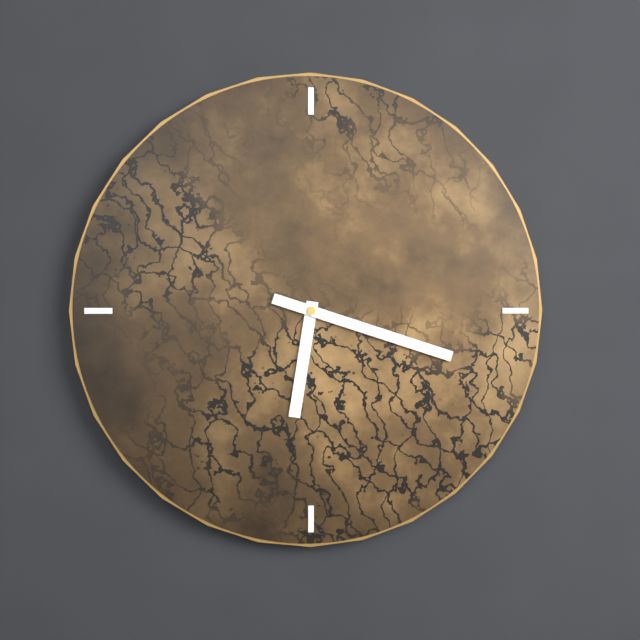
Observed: 6.18
